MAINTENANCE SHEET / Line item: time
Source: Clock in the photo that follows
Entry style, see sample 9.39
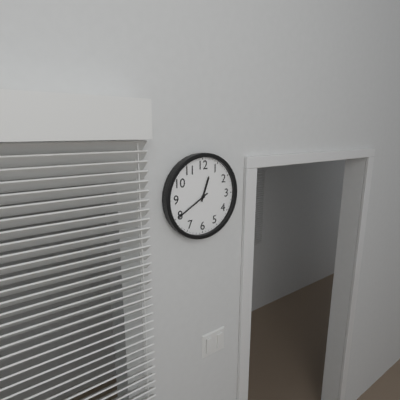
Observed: 12.40
